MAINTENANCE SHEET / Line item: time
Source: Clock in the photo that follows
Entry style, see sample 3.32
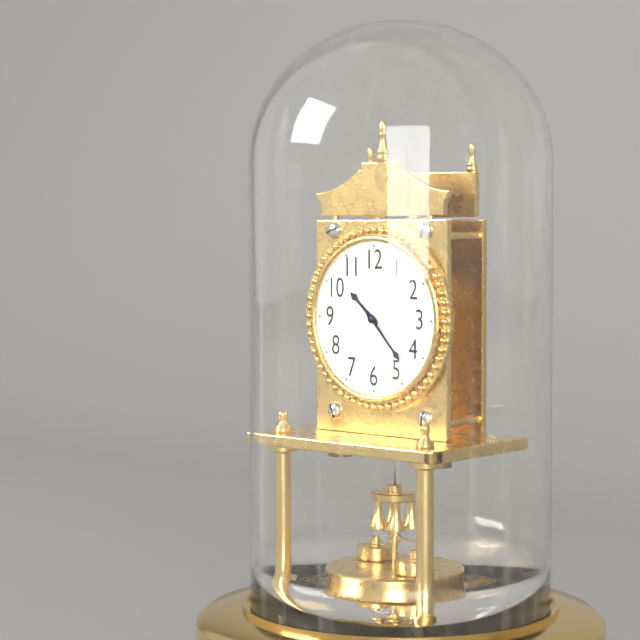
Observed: 10.23
